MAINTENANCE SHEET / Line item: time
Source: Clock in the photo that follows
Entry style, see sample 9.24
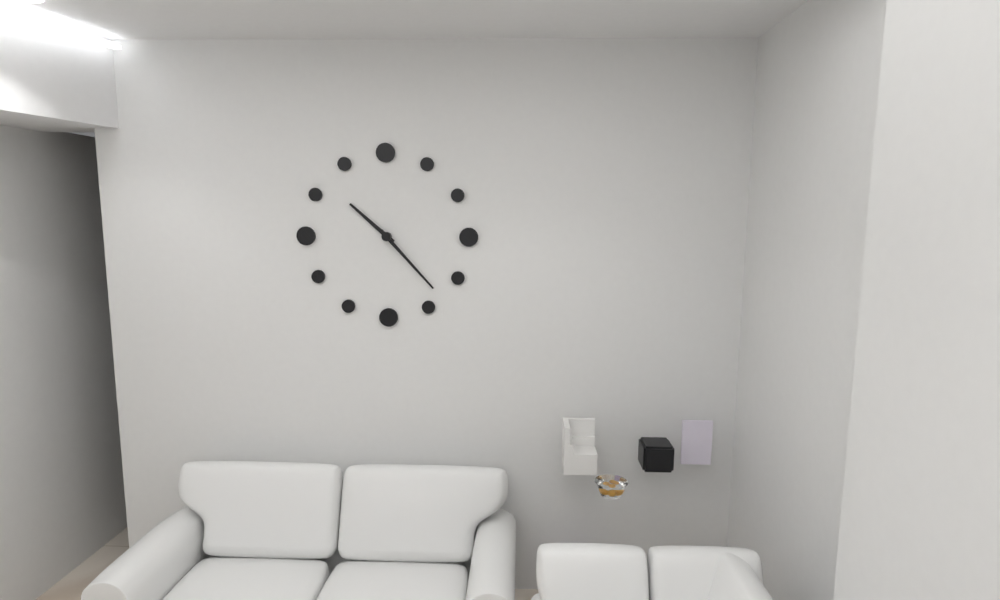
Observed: 10.23
